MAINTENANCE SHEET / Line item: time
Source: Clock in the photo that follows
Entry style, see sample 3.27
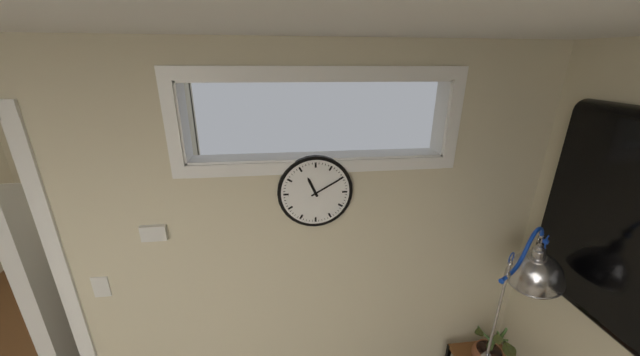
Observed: 11.10
